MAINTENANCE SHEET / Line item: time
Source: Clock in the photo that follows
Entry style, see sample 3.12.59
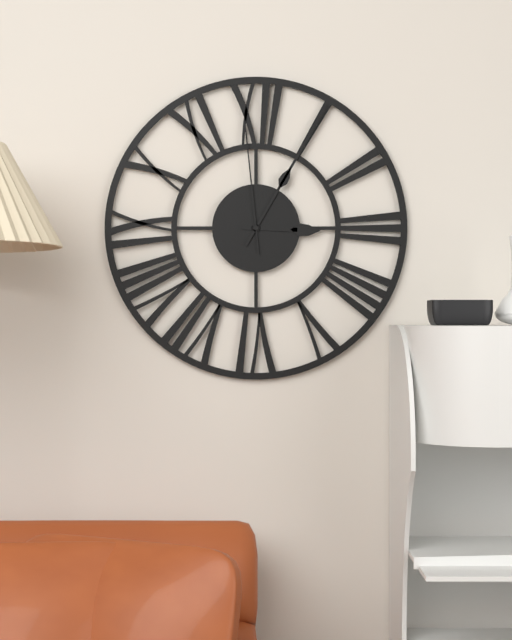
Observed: 3.05.59
